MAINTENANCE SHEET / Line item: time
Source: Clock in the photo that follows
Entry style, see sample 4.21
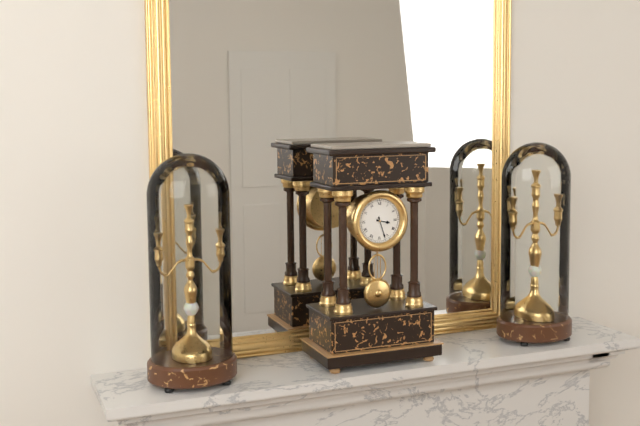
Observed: 3.27
